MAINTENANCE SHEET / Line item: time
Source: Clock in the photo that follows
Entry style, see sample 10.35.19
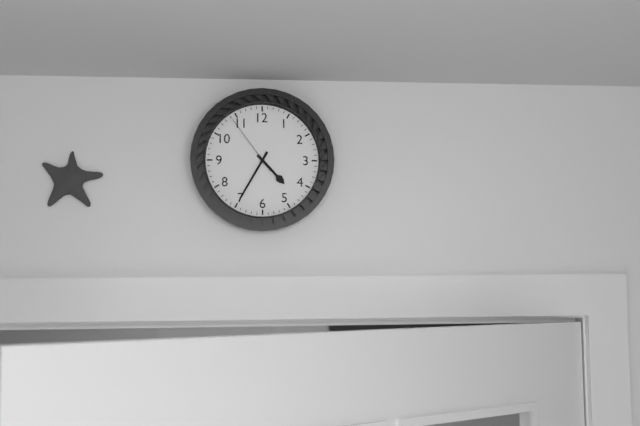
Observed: 4.35.54
